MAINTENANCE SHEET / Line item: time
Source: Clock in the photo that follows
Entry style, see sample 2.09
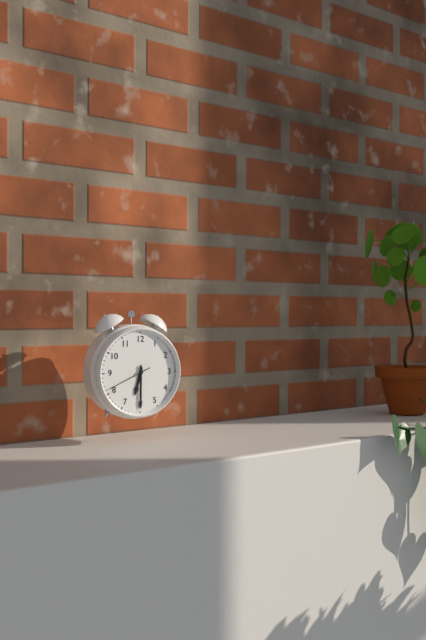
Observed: 6.30
